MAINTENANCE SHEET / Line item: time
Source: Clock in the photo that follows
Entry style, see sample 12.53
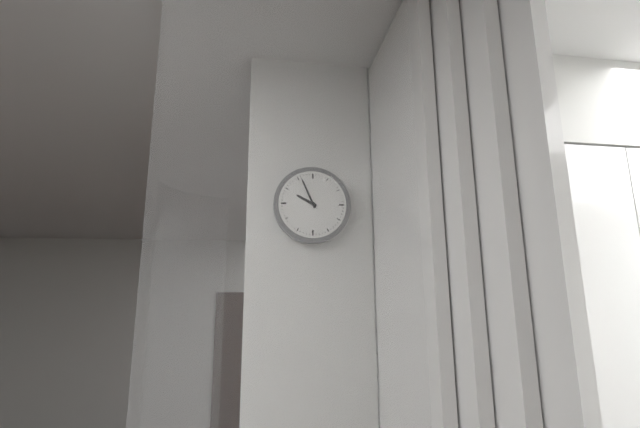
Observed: 9.56
